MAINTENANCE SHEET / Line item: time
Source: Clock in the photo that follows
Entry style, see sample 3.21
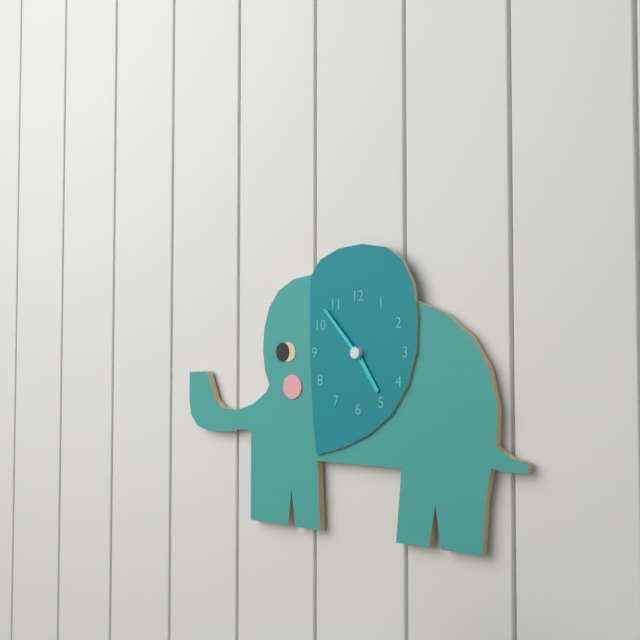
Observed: 4.53
